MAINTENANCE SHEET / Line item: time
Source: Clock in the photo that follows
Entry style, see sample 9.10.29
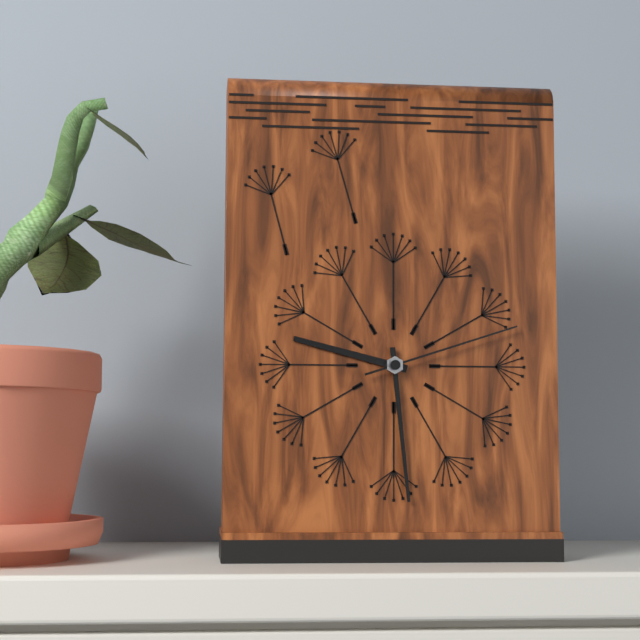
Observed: 9.29.12
